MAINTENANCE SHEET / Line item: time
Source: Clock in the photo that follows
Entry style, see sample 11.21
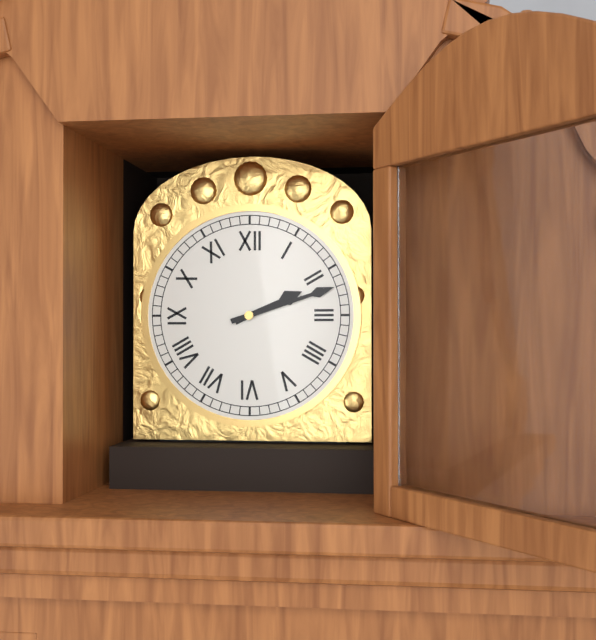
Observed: 2.12
